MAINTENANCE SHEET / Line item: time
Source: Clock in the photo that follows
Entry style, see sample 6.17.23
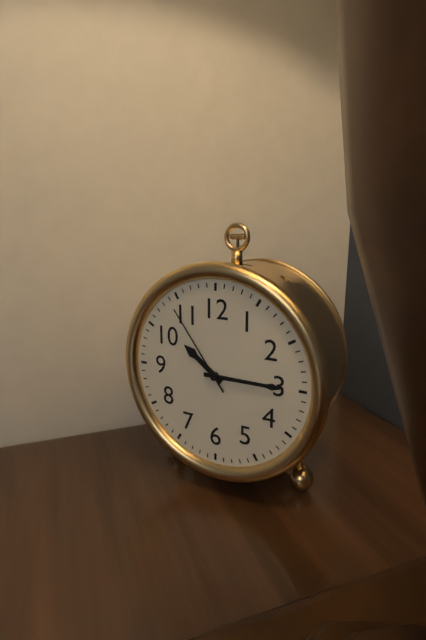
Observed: 10.15.54
